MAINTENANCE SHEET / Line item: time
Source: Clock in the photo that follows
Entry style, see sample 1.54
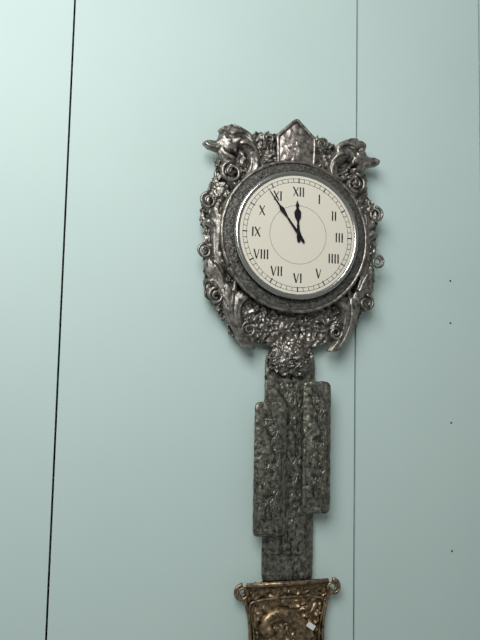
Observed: 11.54
